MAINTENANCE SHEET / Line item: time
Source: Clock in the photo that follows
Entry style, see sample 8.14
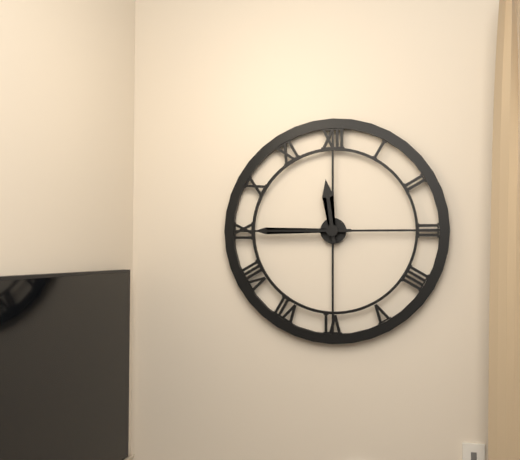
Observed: 11.45
